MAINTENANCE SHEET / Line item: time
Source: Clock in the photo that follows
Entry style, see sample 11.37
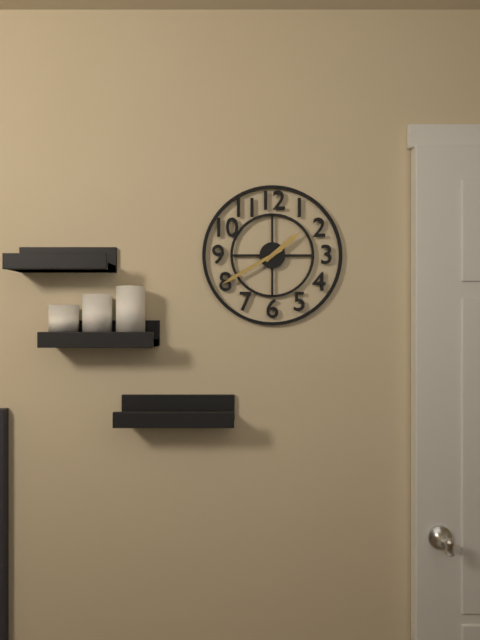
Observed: 1.40
